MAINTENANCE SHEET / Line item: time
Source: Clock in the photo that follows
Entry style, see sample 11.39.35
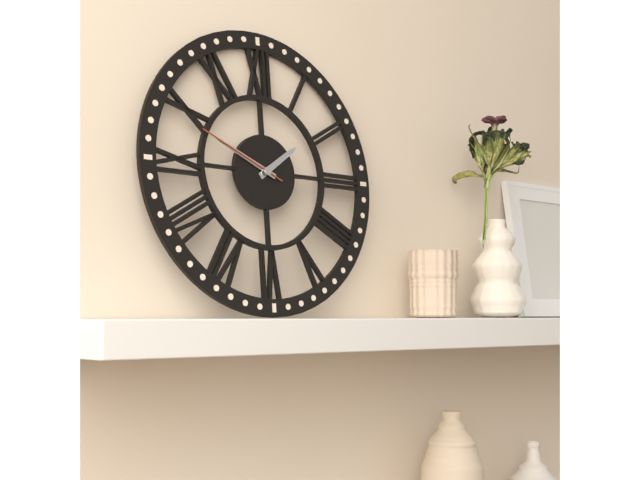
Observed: 1.49.49
